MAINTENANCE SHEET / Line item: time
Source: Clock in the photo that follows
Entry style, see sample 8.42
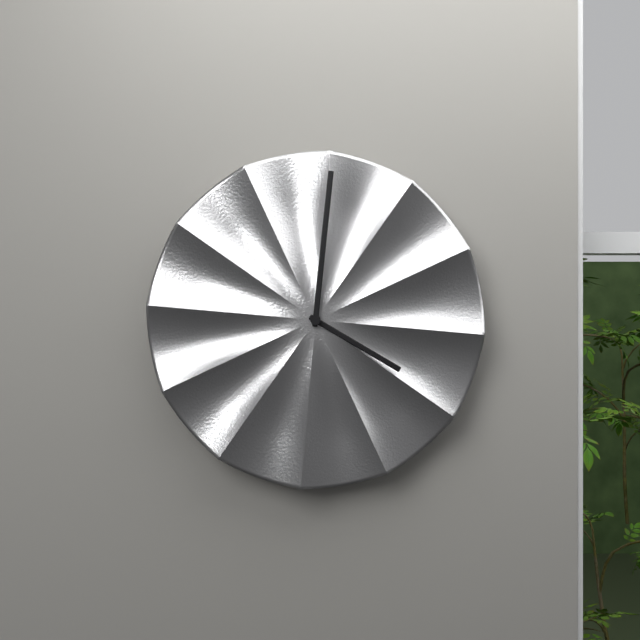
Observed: 4.01
